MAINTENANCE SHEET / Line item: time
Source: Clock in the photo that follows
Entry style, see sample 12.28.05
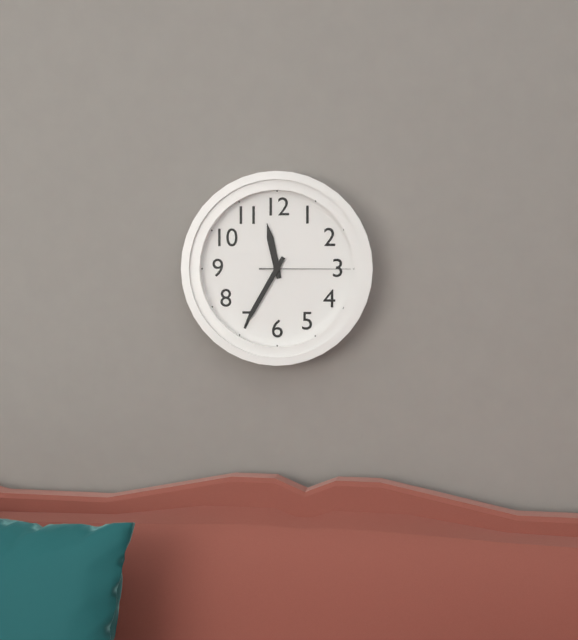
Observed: 11.35.15
